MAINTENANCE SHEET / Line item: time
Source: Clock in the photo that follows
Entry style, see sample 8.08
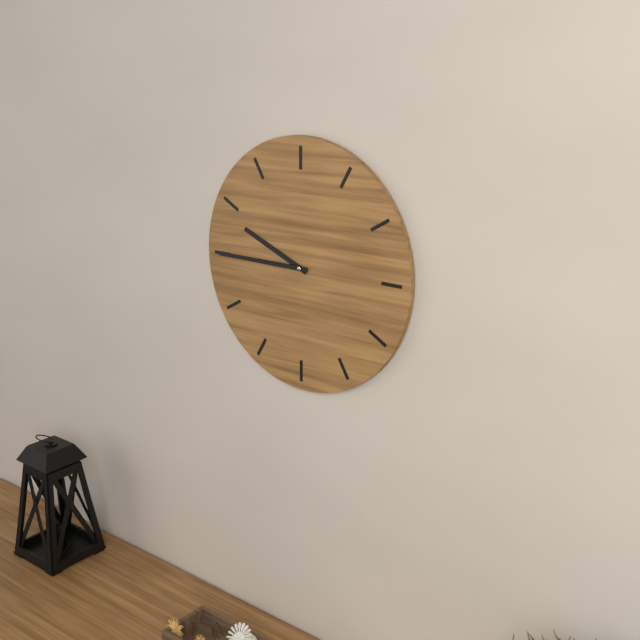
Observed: 9.45
